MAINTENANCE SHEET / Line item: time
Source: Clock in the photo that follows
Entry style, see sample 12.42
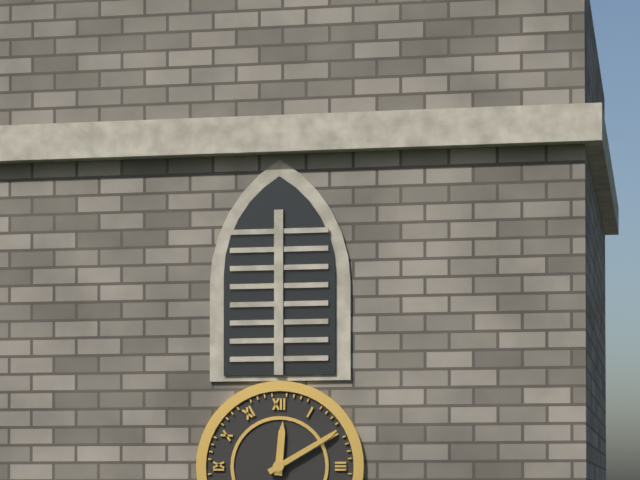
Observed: 12.10
